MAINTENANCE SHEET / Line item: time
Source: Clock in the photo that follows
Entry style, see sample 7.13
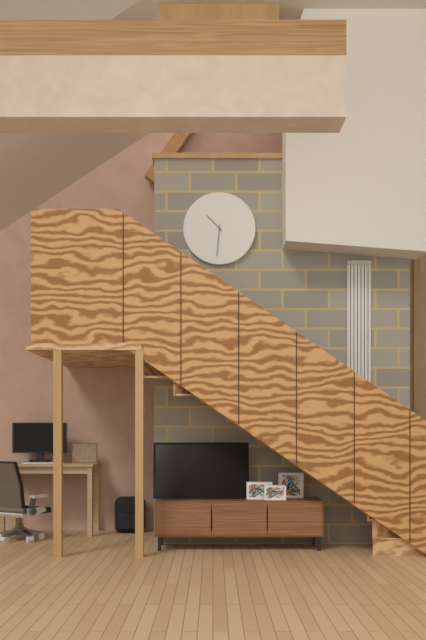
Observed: 10.31
